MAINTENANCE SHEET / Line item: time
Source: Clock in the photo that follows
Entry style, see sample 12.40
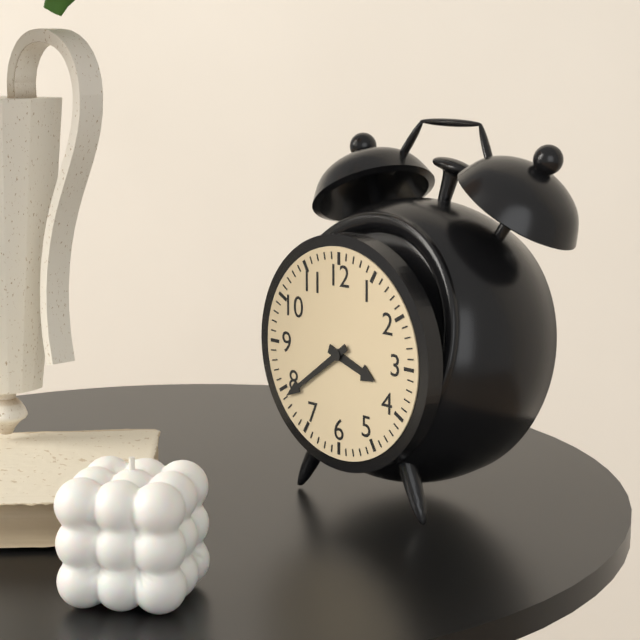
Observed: 3.39
